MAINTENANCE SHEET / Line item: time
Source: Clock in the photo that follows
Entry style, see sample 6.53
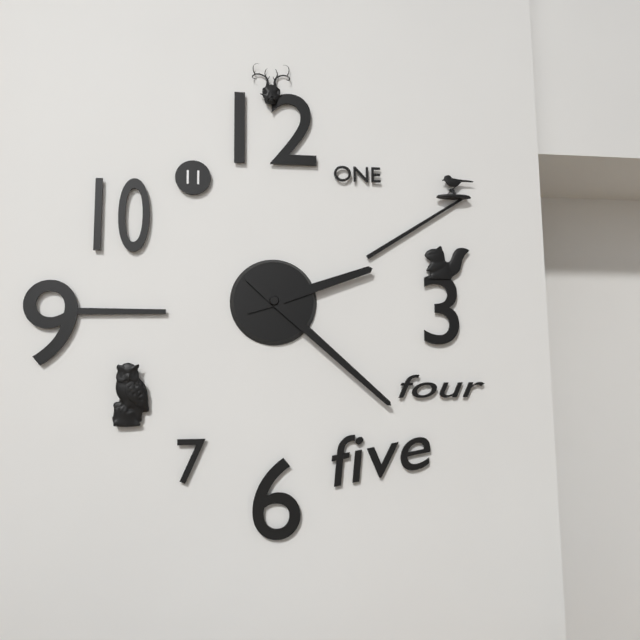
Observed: 2.22
